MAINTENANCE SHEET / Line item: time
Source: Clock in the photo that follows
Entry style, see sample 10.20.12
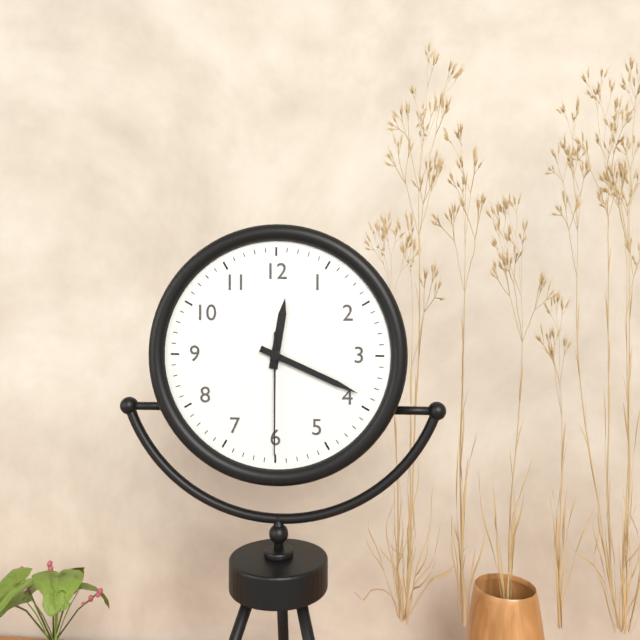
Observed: 12.19.30
